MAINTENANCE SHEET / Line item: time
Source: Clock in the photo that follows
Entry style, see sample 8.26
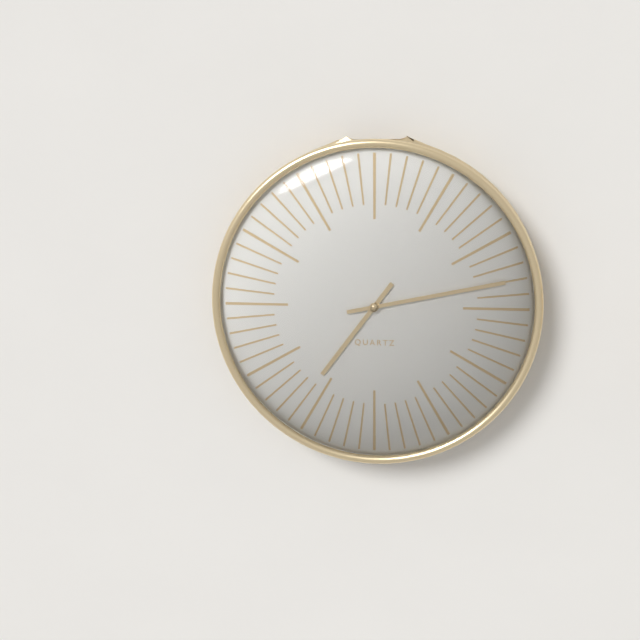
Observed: 7.13
